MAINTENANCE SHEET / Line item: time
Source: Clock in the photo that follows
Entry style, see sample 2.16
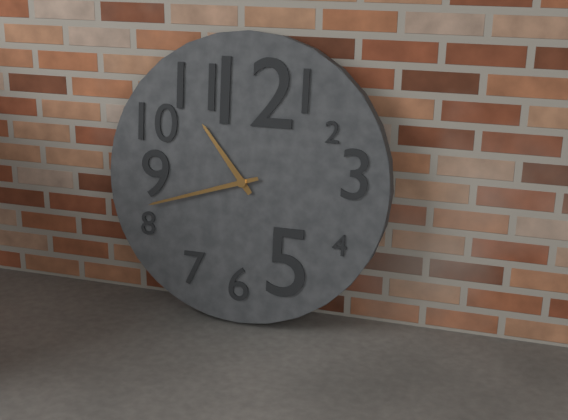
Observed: 10.42
